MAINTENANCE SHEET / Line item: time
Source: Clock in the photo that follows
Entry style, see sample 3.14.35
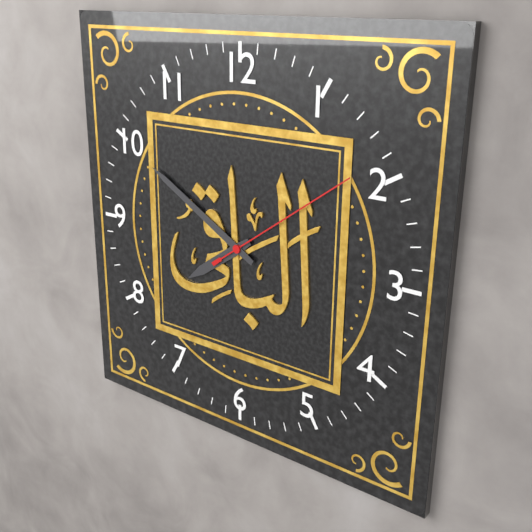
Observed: 7.50.09
